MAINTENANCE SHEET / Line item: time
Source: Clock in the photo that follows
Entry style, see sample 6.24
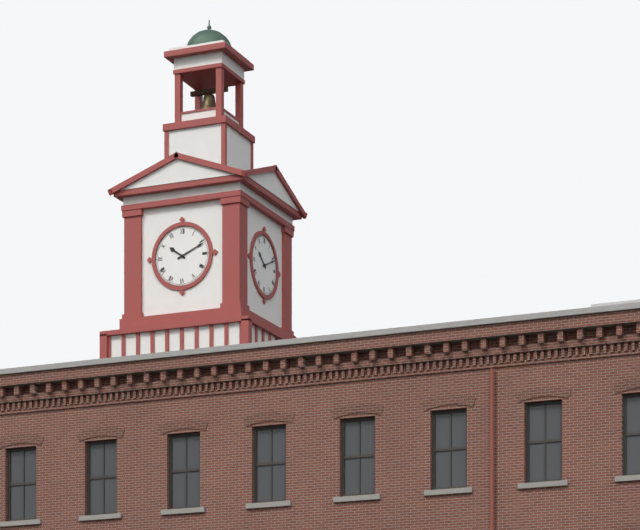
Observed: 10.11
